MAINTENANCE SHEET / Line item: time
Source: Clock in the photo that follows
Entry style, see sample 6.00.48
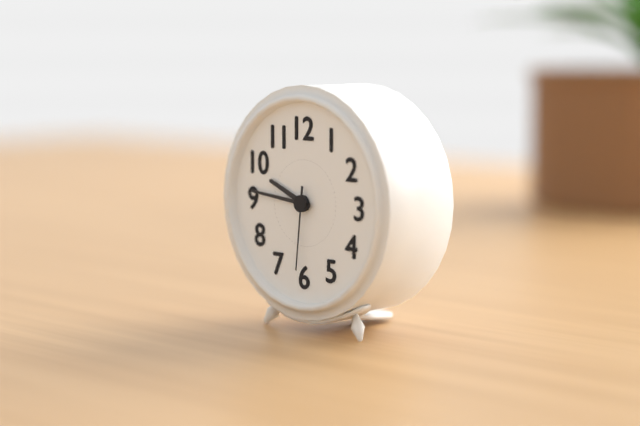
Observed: 9.46.31
